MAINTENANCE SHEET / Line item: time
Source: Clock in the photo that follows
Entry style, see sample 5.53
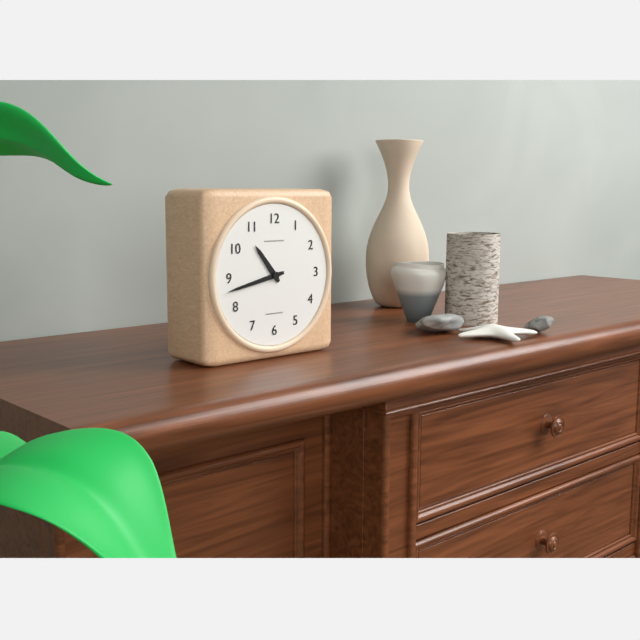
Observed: 10.43
